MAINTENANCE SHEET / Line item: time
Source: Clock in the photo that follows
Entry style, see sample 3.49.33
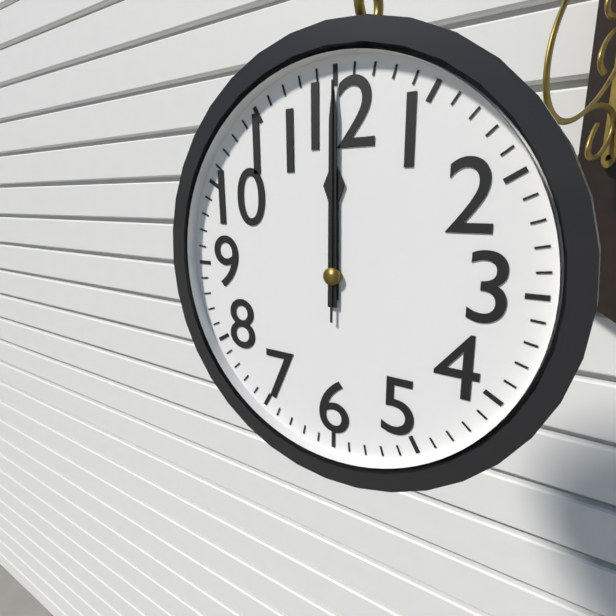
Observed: 12.00.00
